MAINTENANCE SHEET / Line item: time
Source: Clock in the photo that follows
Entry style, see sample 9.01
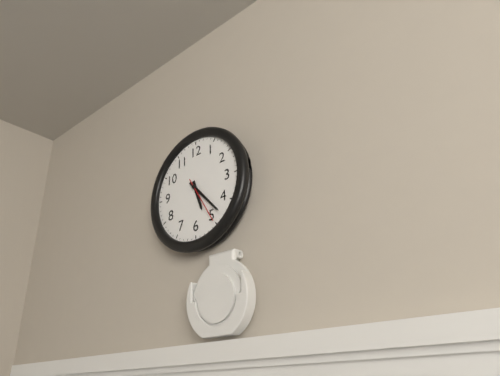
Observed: 5.23
